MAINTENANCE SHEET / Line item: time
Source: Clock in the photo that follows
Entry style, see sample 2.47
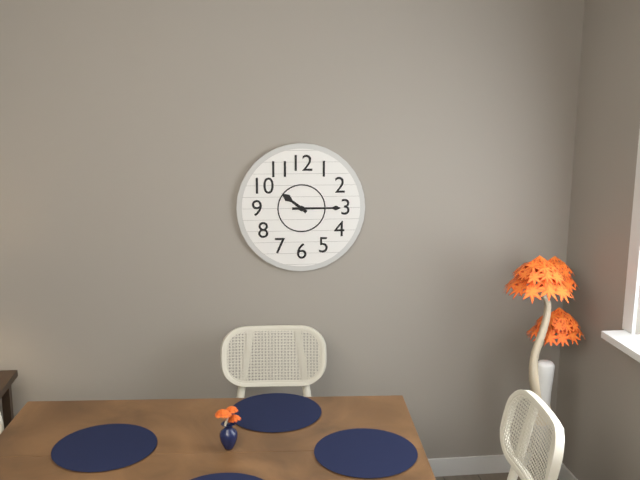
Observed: 10.15
